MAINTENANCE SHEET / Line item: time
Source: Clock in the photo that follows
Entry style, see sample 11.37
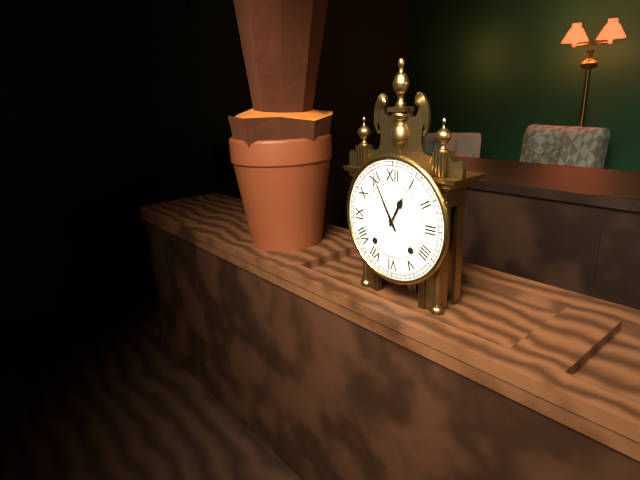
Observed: 12.55
